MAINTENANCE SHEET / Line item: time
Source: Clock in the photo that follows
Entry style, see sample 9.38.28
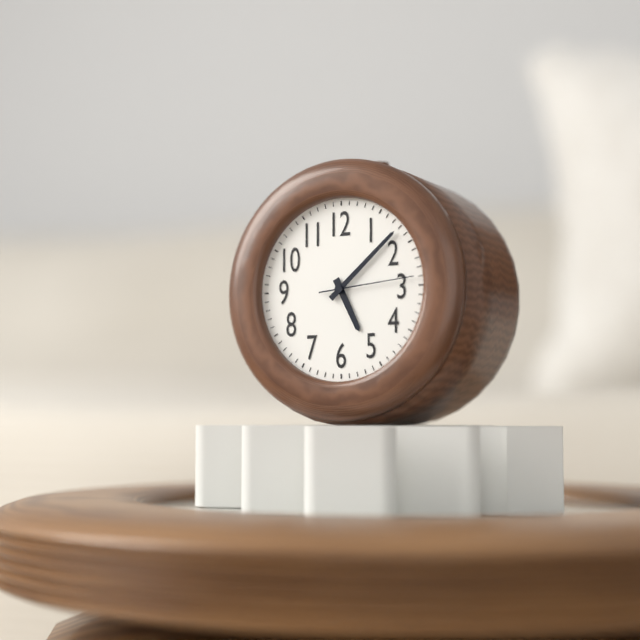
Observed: 5.08.14
